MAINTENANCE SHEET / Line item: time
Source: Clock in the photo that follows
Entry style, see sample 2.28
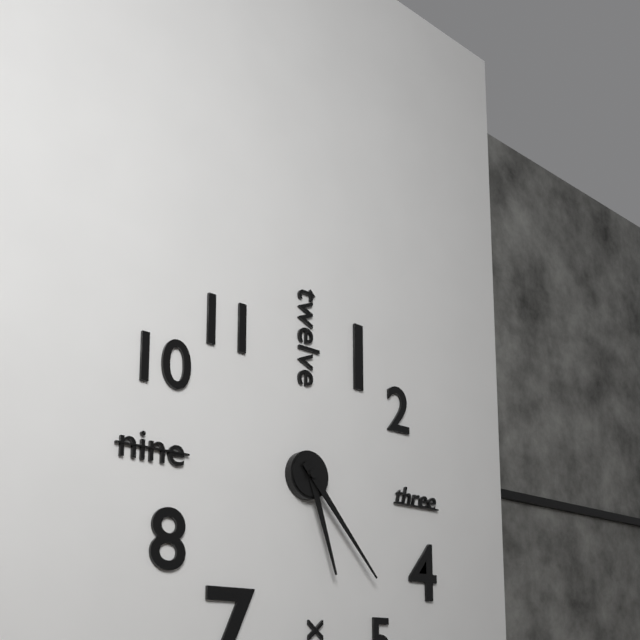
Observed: 5.23
